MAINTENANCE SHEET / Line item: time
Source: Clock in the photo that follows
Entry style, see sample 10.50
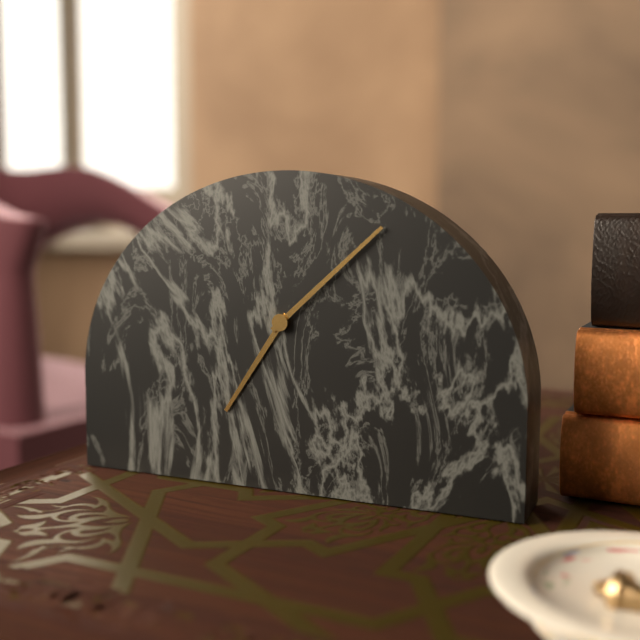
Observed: 7.08
